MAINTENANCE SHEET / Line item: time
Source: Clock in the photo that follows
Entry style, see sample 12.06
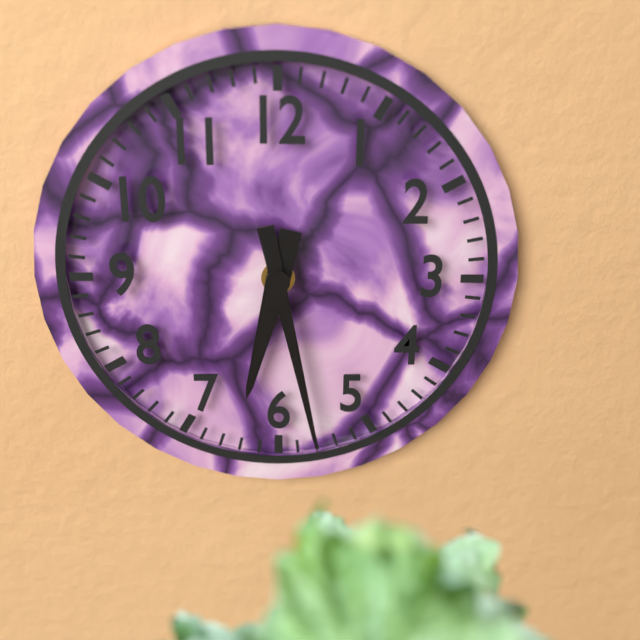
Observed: 6.28
